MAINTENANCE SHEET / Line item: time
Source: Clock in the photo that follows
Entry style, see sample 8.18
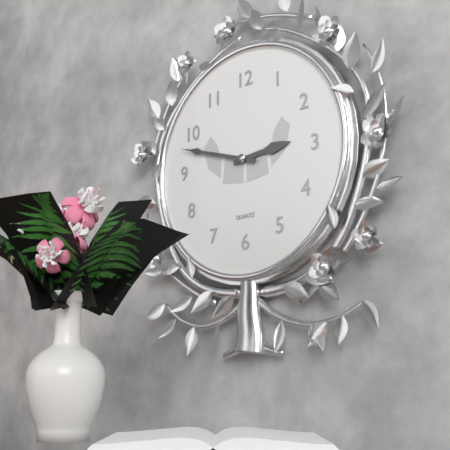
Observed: 2.48
